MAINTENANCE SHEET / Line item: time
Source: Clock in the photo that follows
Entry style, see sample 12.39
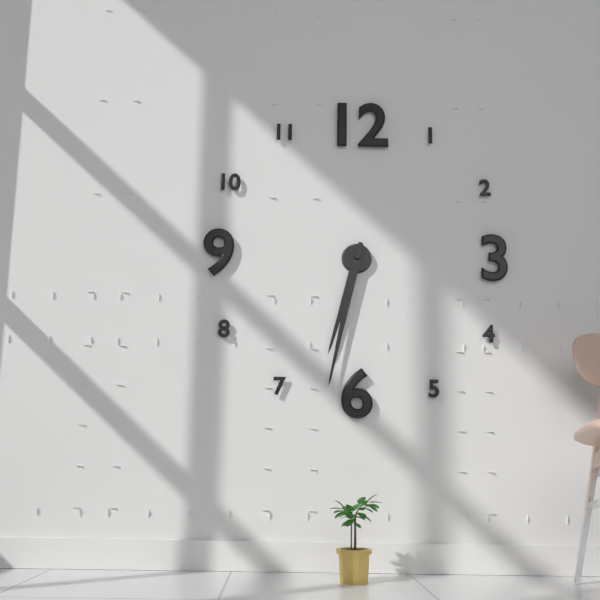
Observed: 6.32
